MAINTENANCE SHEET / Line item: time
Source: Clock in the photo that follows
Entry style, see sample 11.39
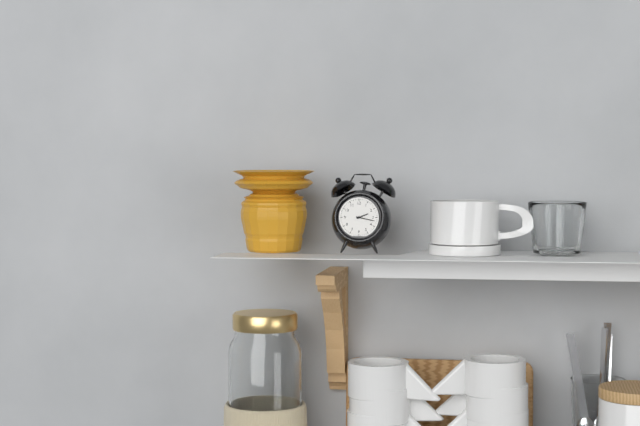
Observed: 2.17
